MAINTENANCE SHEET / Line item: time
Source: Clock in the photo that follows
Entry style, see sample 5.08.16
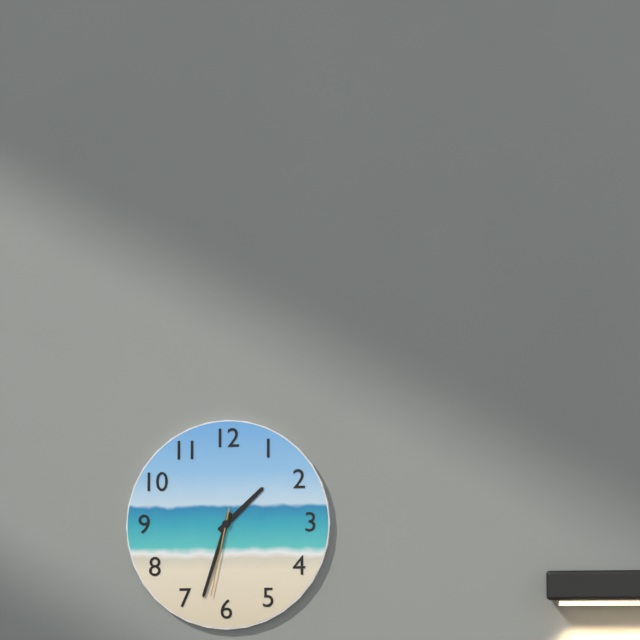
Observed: 1.33.32
